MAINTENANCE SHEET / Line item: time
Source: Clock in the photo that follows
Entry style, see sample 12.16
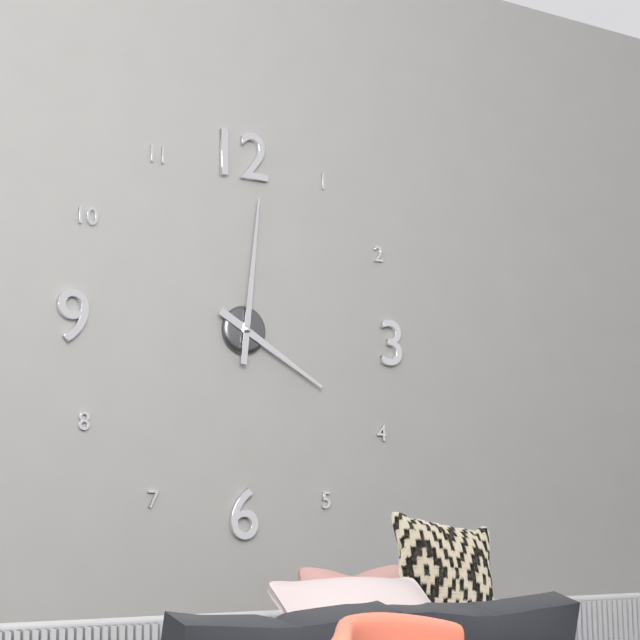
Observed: 4.01
